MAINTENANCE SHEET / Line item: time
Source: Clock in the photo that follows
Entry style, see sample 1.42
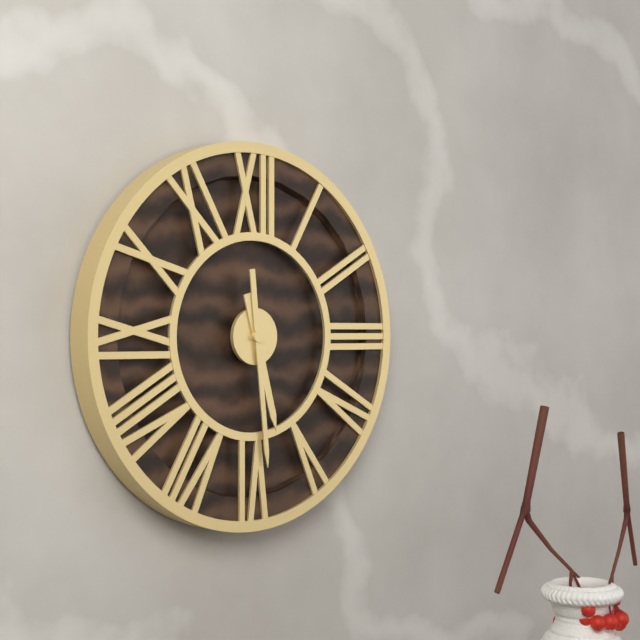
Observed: 5.29
